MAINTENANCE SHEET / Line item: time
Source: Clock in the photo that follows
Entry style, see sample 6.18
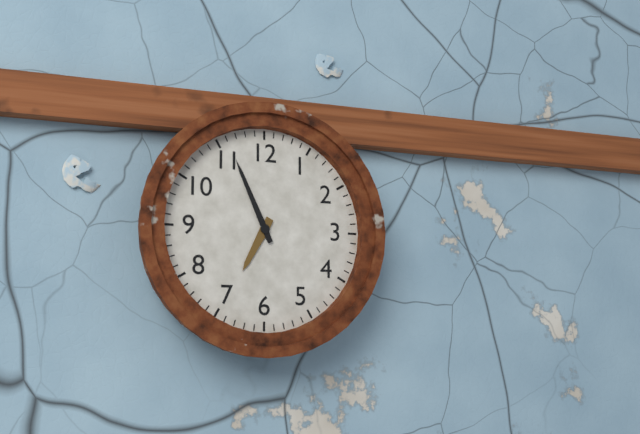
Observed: 6.56
